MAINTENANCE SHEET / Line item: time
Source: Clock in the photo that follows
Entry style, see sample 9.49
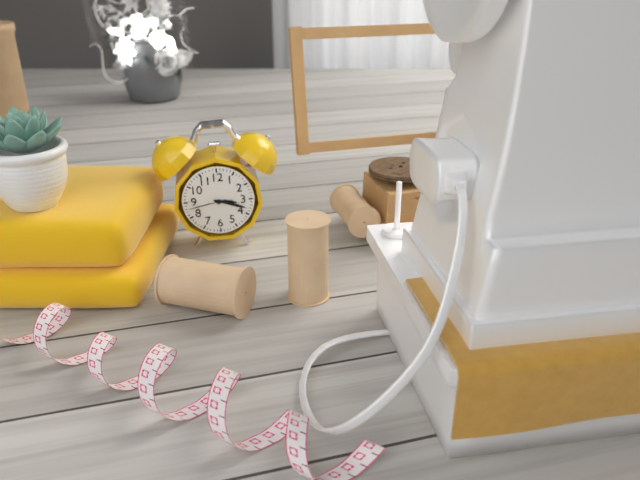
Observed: 3.18
